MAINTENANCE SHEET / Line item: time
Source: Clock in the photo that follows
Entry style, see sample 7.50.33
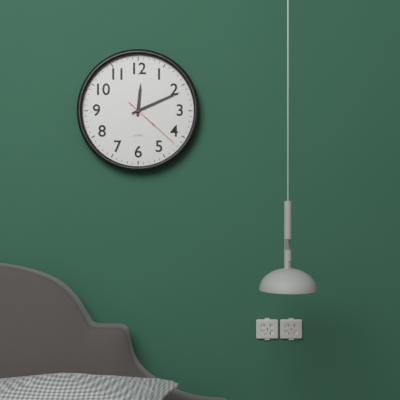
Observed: 12.11.22
